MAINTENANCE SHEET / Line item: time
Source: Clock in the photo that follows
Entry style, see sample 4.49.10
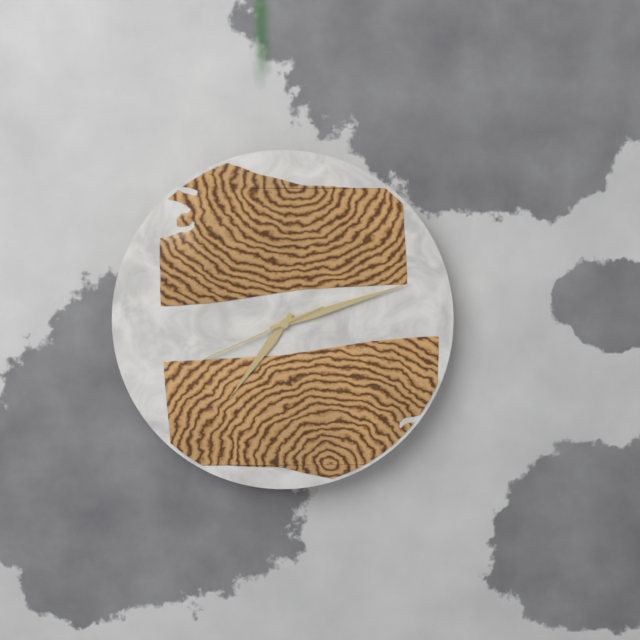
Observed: 7.12.41
